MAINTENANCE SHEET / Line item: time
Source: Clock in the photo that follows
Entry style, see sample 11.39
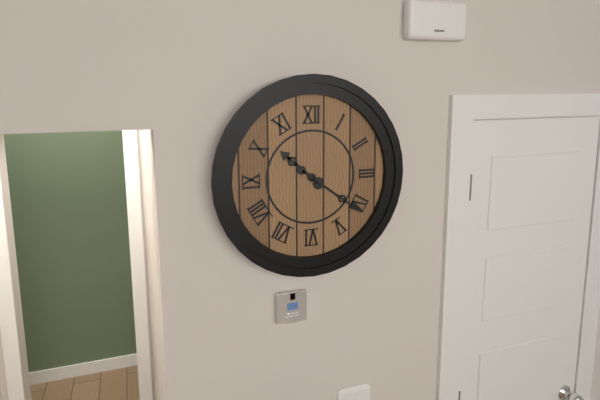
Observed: 10.21
